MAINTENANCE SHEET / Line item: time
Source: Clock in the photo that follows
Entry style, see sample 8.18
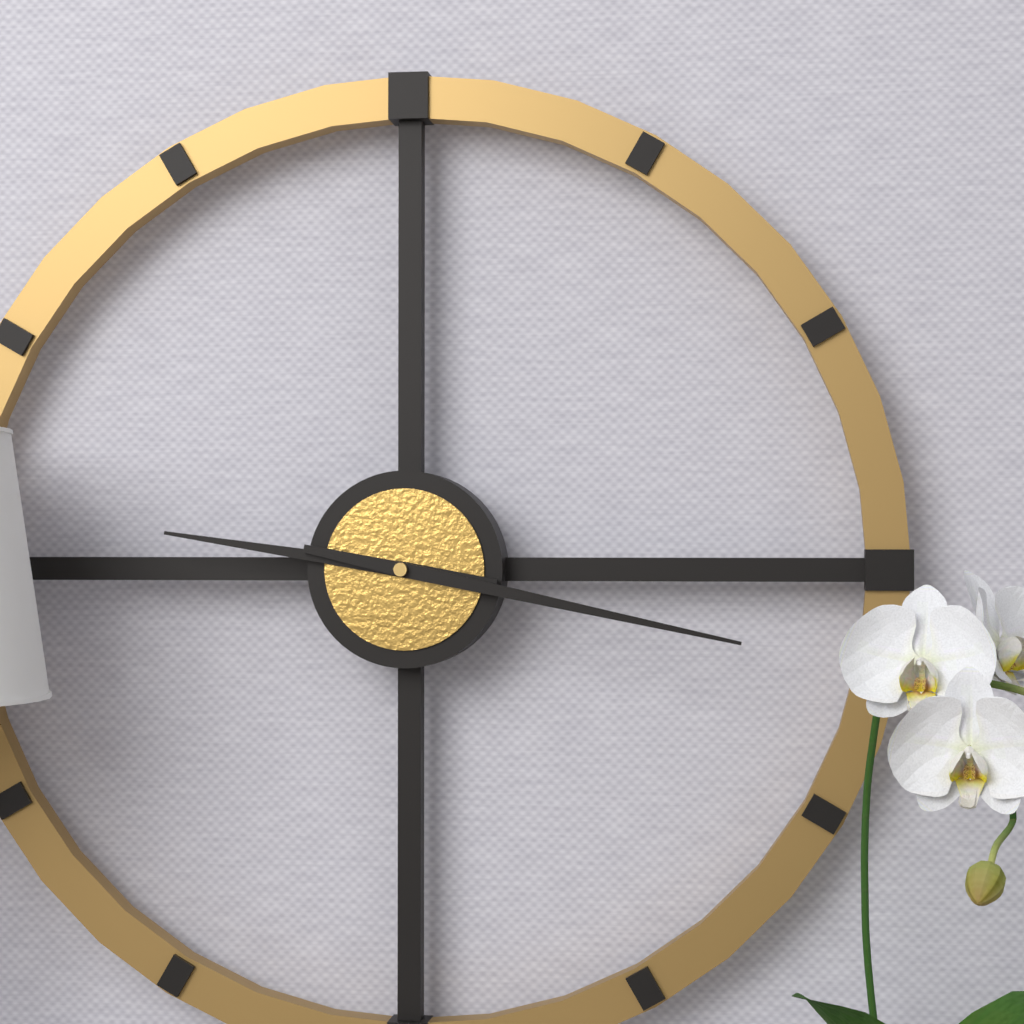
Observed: 9.17
